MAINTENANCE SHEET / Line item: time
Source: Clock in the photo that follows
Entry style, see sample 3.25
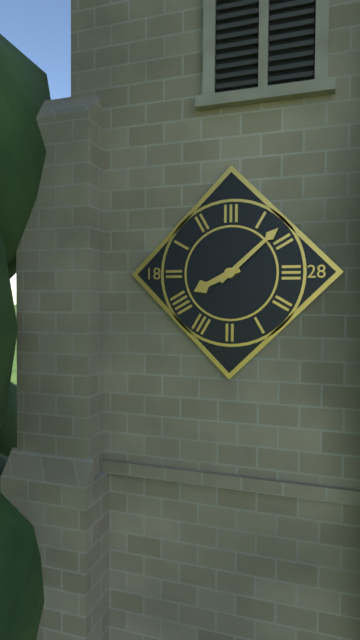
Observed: 8.08
